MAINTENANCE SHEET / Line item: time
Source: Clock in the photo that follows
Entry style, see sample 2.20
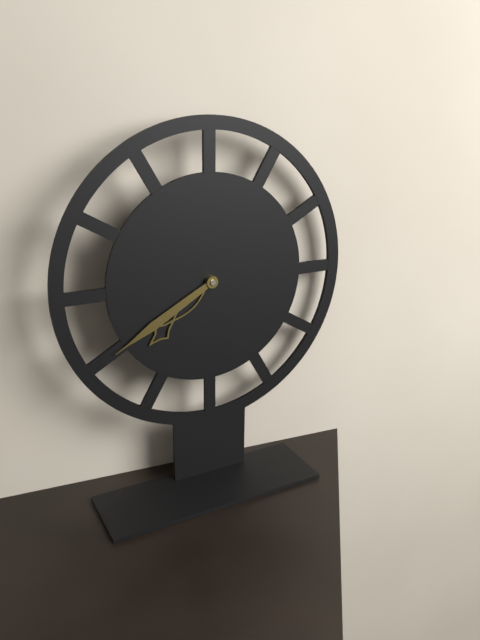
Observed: 7.40
